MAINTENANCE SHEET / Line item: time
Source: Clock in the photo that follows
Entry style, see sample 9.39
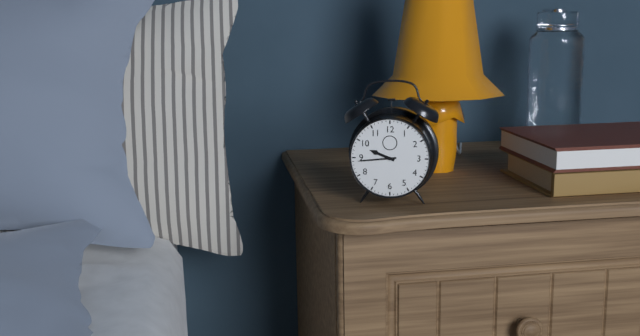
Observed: 9.44
